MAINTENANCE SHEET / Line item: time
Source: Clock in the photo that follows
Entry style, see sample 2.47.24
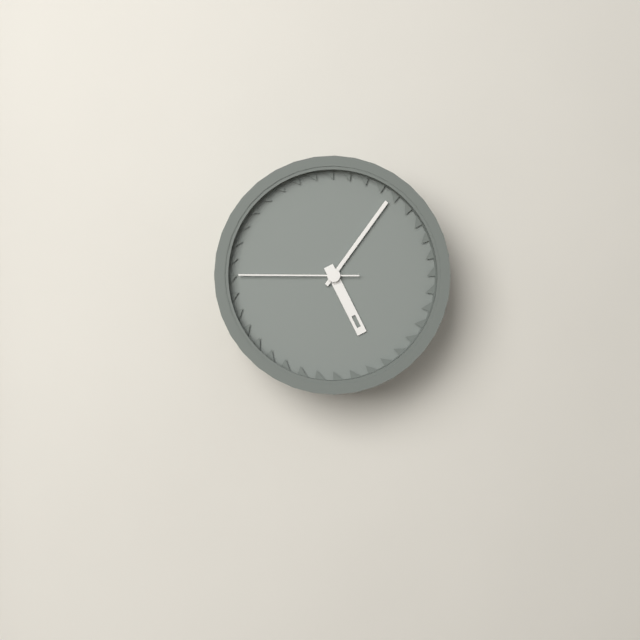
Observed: 5.06.45
